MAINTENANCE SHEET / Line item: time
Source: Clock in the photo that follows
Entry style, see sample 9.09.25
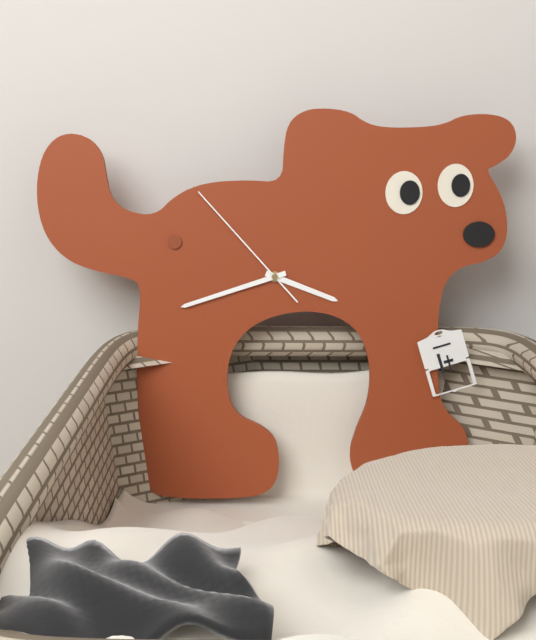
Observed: 3.42.53
